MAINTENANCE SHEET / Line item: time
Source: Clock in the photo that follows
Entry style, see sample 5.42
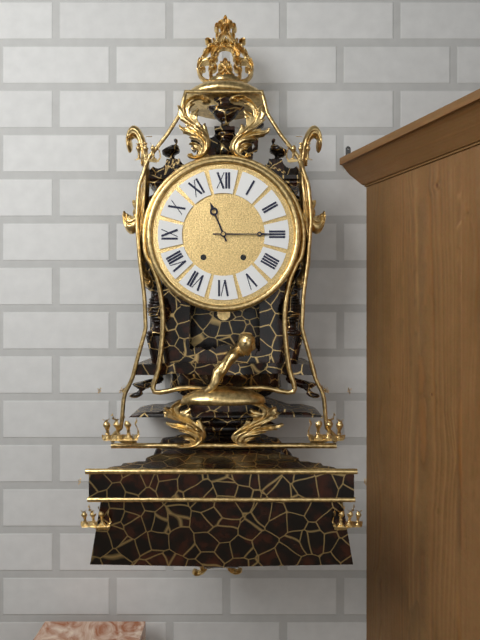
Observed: 11.15
